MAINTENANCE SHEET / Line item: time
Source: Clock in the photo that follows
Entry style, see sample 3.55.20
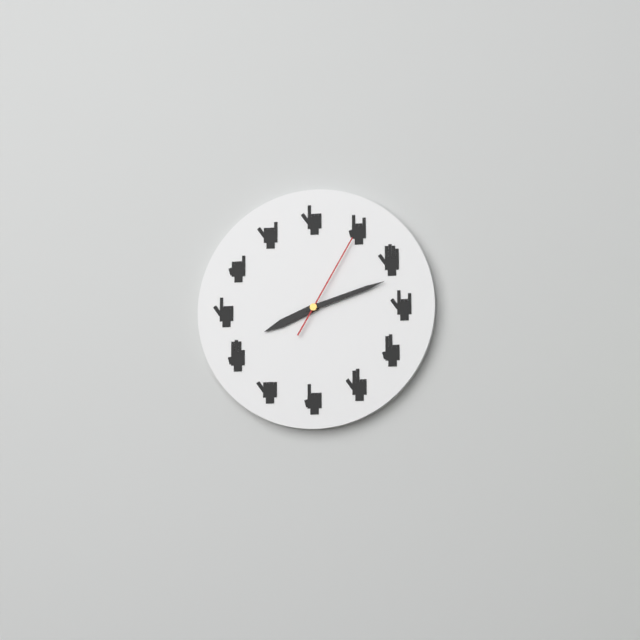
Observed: 8.12.05
